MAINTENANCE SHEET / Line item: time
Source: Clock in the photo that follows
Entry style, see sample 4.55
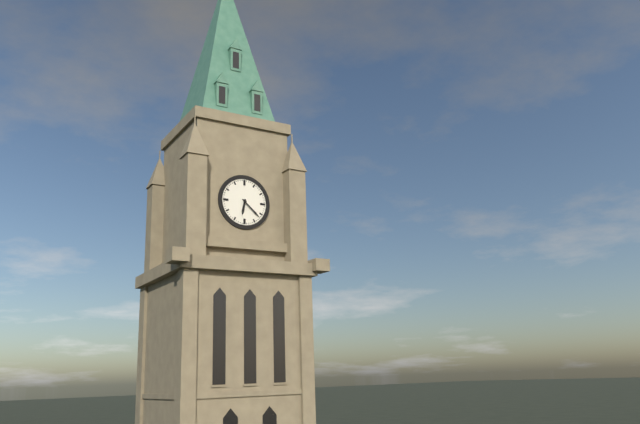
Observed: 6.22
